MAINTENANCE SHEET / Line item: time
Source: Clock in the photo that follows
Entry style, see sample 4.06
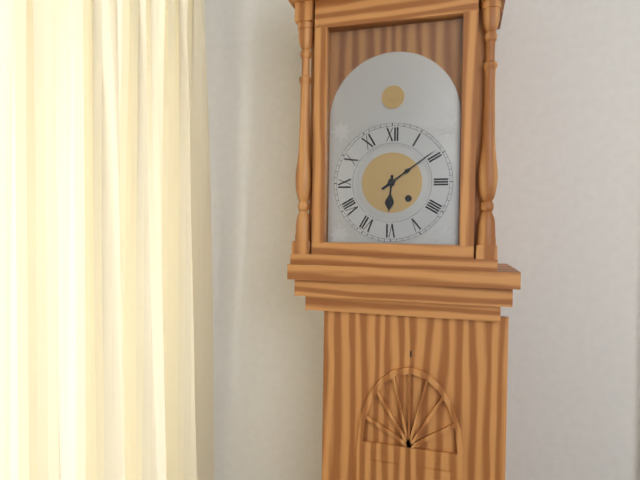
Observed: 6.09
